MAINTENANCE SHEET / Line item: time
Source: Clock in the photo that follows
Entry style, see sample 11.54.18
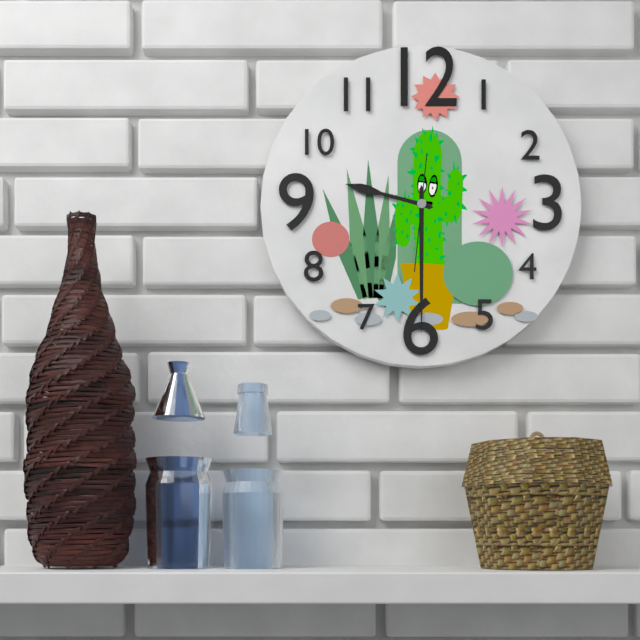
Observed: 9.30.31
